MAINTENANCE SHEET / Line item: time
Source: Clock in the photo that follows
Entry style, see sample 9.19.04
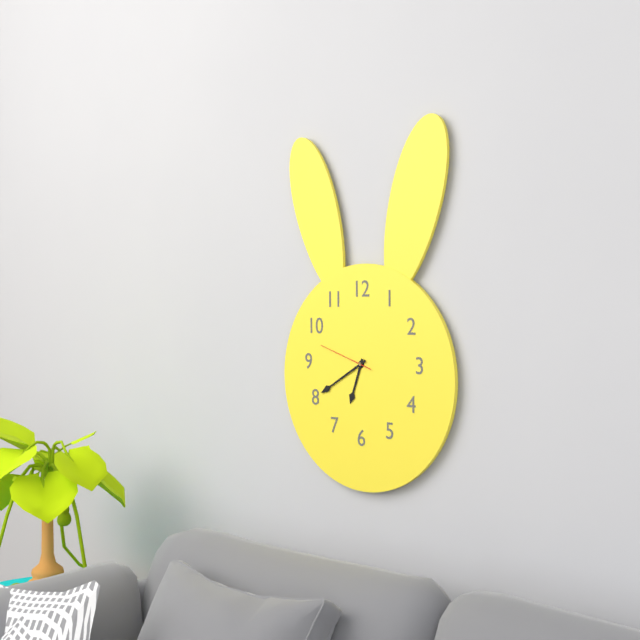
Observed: 6.40.48
